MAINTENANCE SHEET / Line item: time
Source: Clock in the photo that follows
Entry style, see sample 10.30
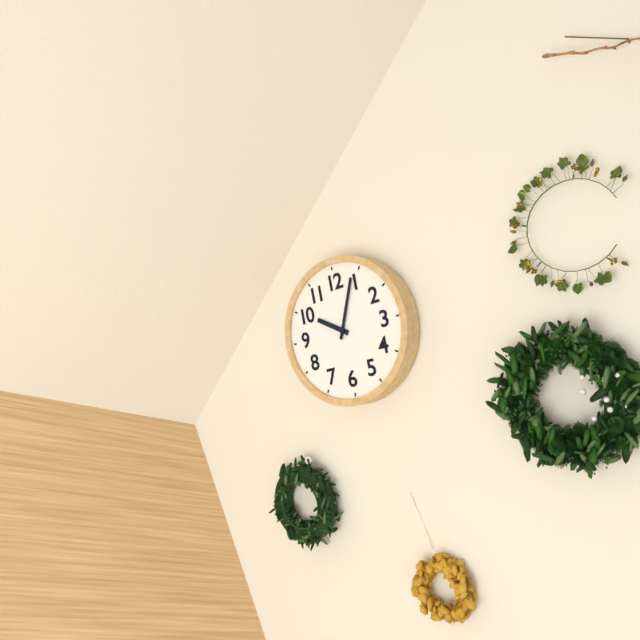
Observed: 10.04
